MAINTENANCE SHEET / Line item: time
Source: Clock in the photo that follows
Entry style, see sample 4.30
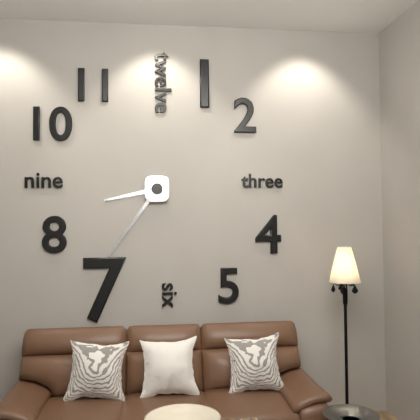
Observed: 8.36
